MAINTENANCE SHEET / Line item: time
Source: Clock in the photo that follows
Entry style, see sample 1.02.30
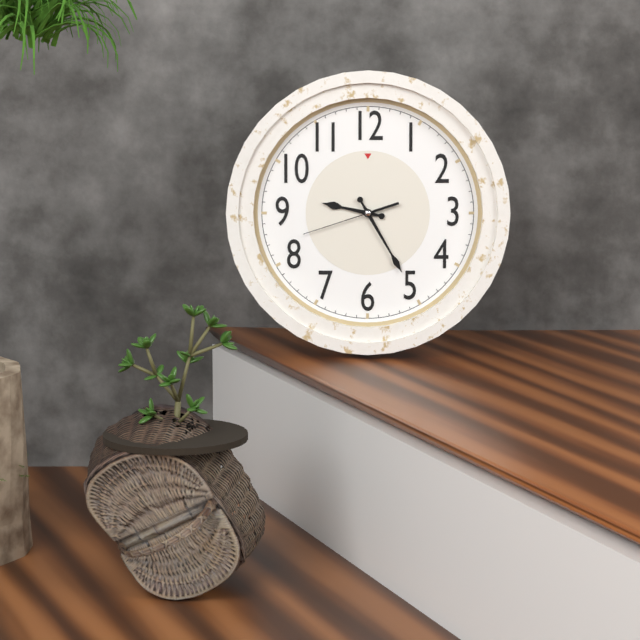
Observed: 9.25.42
